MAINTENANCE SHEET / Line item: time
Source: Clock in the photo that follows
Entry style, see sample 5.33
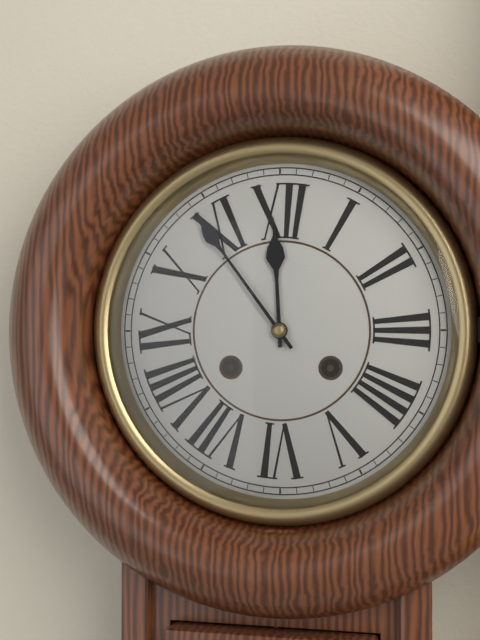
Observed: 11.54
